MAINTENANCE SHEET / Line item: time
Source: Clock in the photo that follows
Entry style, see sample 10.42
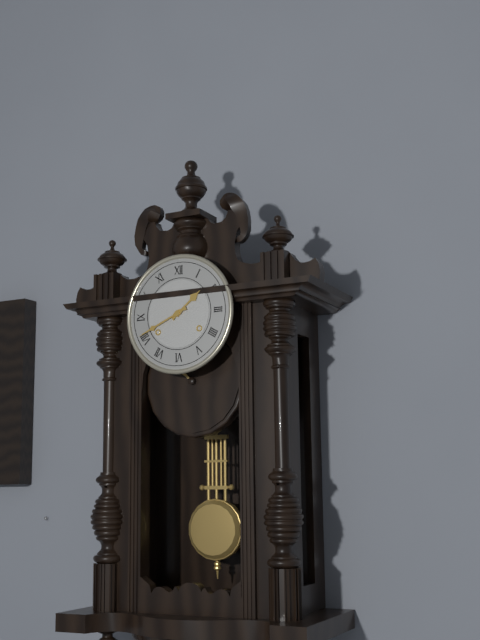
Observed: 1.41
